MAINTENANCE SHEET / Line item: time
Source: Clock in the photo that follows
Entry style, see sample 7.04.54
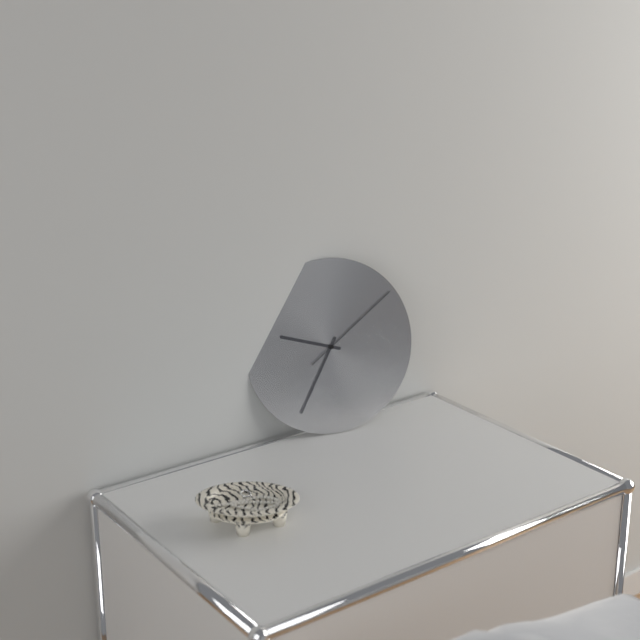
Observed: 9.35.09
